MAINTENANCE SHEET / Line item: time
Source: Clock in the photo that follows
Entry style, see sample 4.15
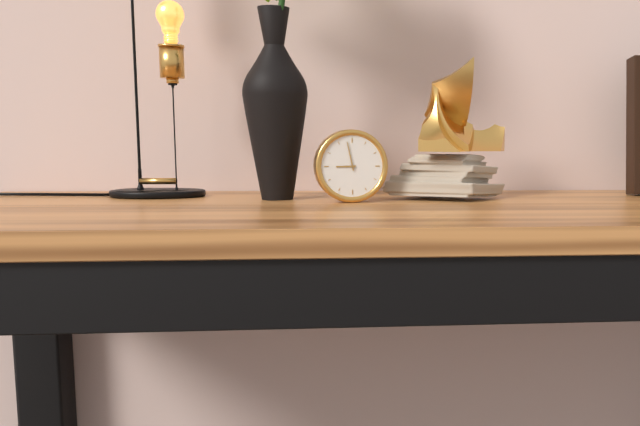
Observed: 8.58
